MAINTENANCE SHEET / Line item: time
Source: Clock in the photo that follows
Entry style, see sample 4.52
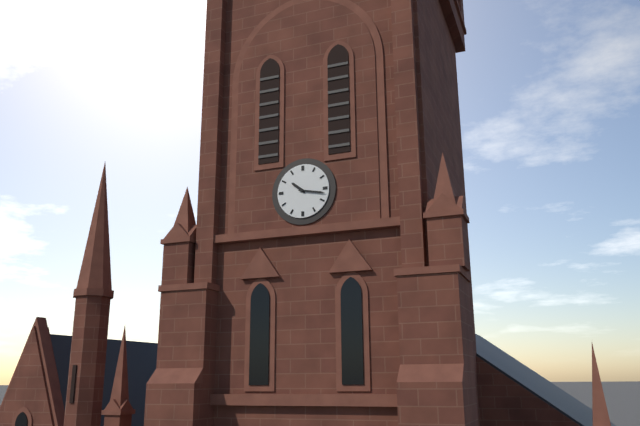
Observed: 10.17
